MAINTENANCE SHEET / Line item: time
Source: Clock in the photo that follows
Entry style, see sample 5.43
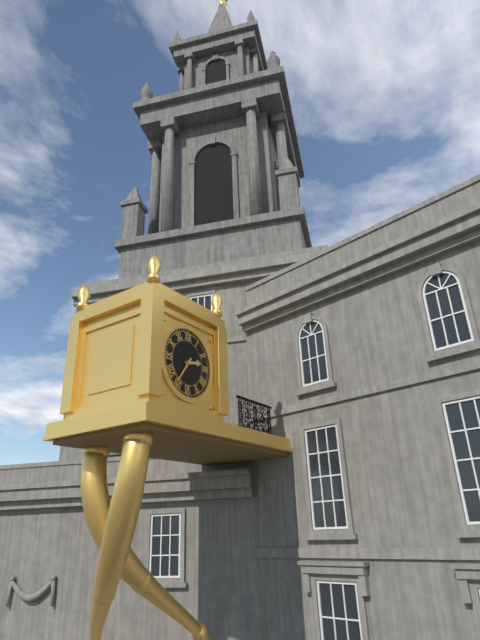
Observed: 2.36
